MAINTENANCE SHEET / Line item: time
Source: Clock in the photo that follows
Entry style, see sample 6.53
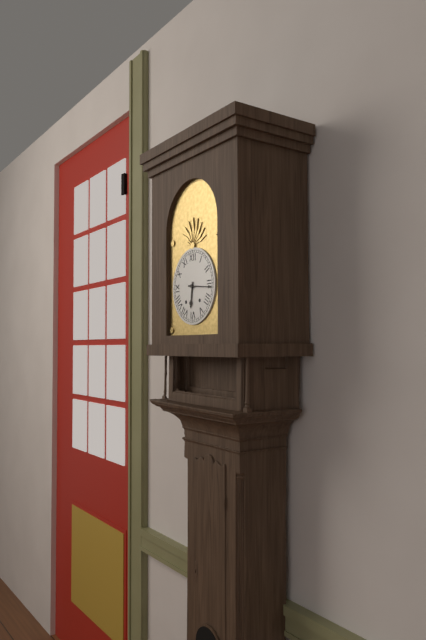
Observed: 6.16
